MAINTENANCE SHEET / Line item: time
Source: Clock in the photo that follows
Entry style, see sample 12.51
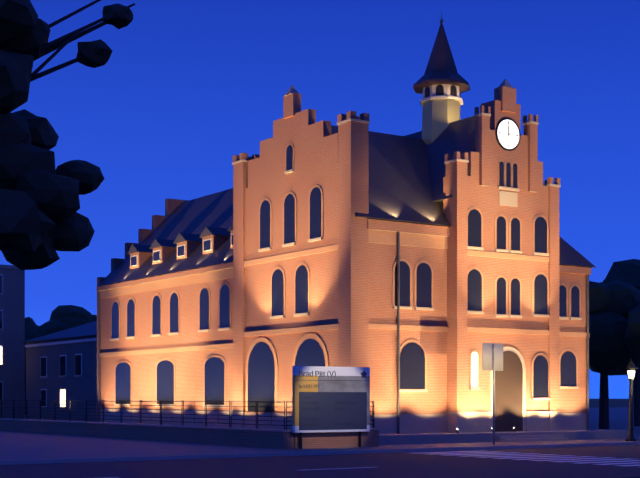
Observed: 11.59
